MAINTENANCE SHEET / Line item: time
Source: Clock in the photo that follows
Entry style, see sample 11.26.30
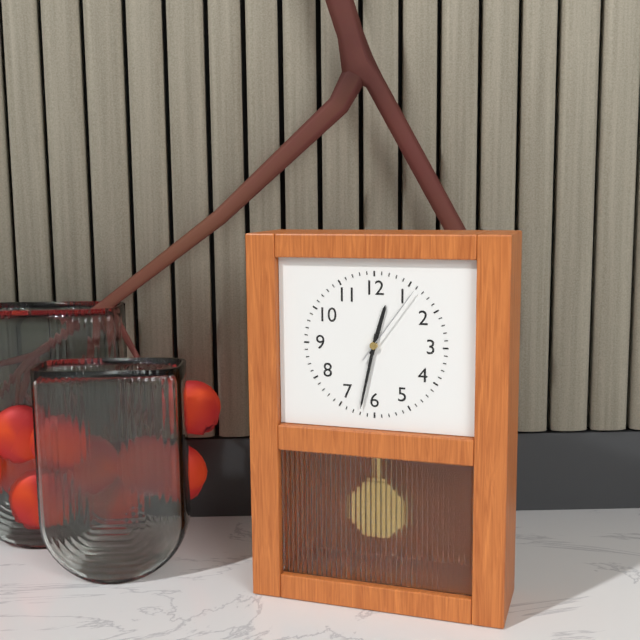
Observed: 12.32.06
